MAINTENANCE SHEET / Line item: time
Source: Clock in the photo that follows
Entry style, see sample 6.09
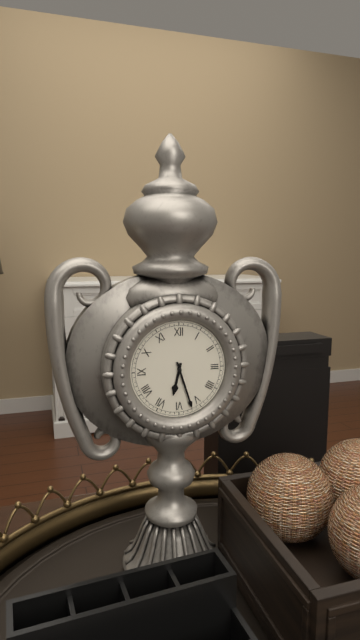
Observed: 6.27
